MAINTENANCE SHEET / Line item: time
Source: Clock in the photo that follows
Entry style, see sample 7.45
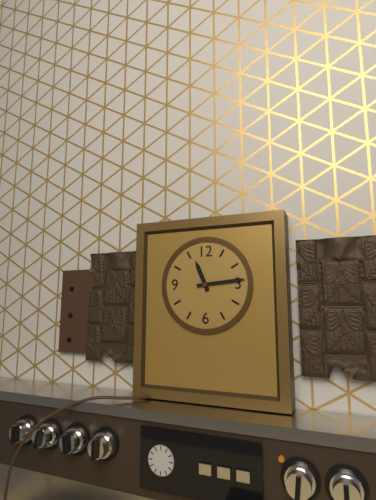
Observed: 11.14
